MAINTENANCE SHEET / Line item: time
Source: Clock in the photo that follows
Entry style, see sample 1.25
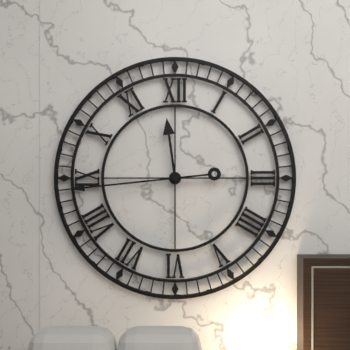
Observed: 11.44
